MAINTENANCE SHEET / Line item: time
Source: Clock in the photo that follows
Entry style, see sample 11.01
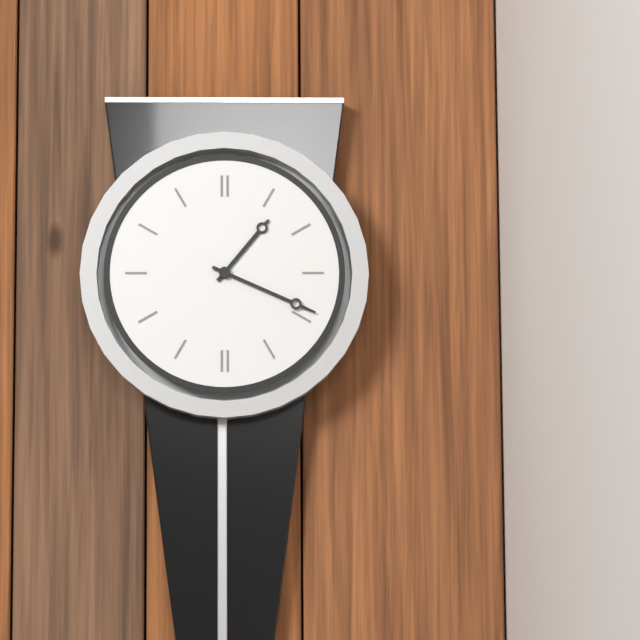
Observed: 1.19
